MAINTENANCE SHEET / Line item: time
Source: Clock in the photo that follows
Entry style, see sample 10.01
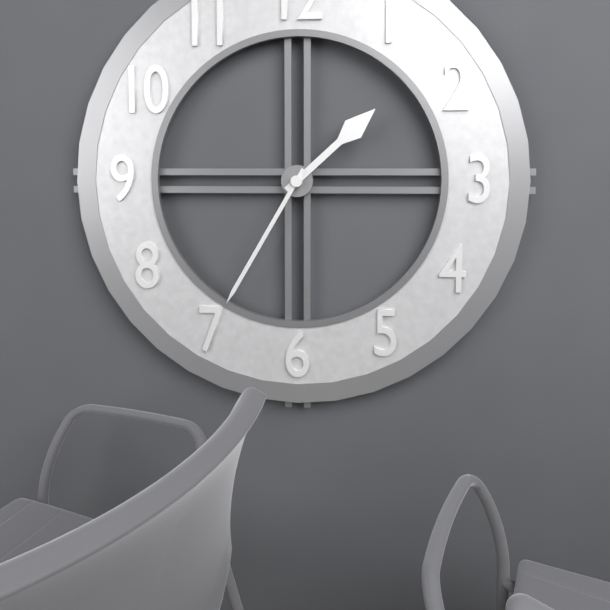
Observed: 1.35
